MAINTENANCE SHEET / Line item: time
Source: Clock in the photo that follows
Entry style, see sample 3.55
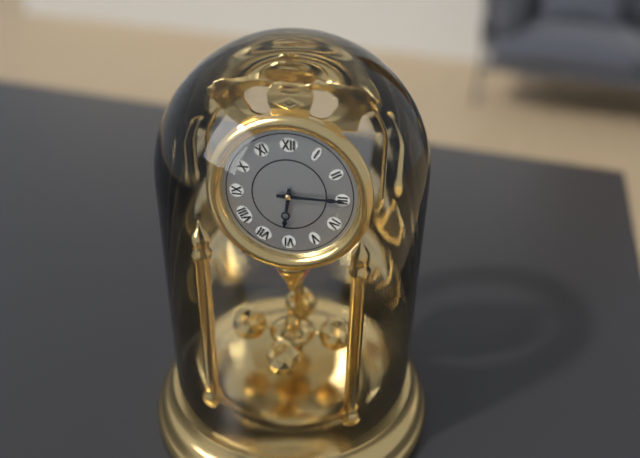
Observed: 6.15
